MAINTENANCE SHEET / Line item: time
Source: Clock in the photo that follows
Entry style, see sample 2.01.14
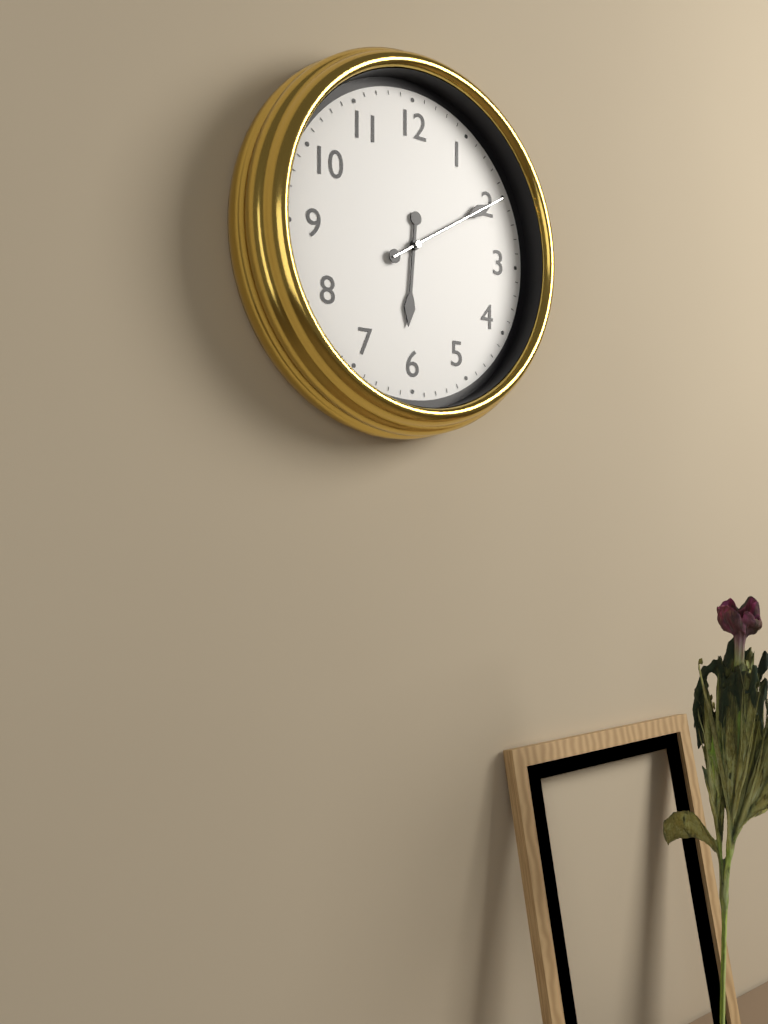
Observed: 6.10.10
